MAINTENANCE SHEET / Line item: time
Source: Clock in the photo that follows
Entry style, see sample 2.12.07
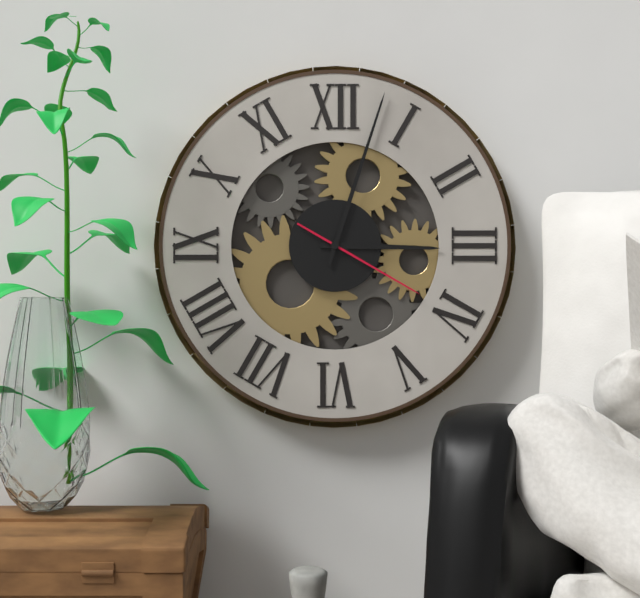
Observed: 3.03.20
